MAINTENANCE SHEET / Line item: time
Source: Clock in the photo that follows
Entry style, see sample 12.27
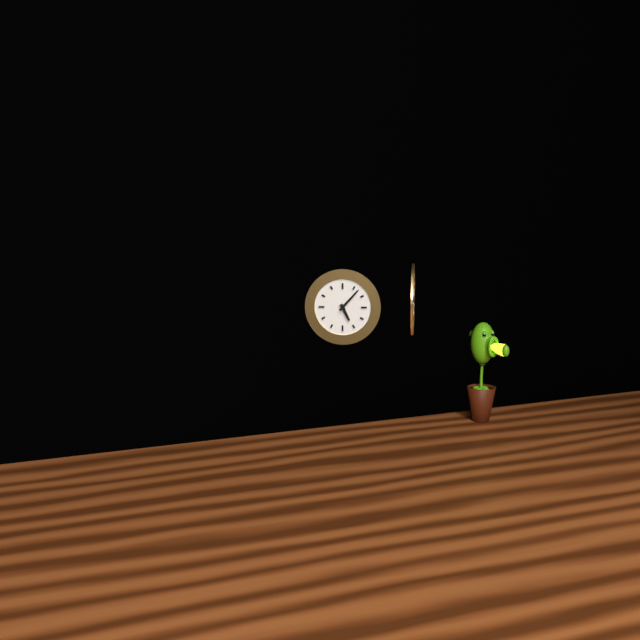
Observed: 5.07
